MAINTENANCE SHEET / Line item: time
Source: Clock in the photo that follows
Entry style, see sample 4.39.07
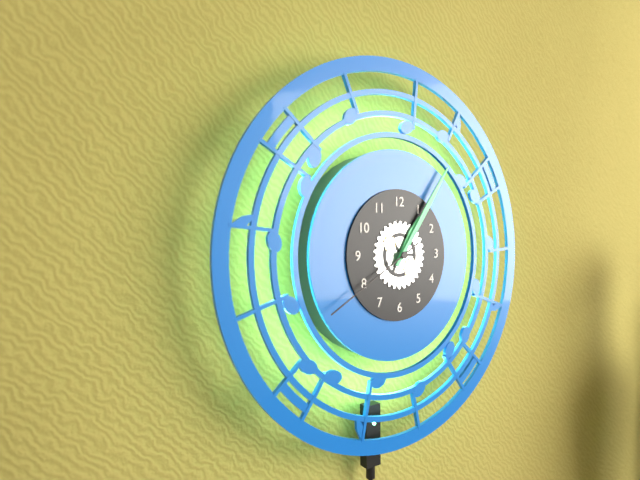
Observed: 1.06.40
